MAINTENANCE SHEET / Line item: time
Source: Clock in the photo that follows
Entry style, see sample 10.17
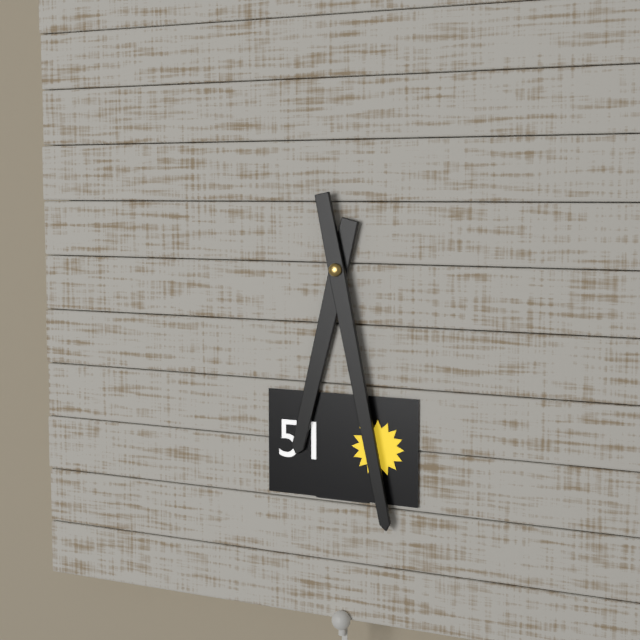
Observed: 6.28
